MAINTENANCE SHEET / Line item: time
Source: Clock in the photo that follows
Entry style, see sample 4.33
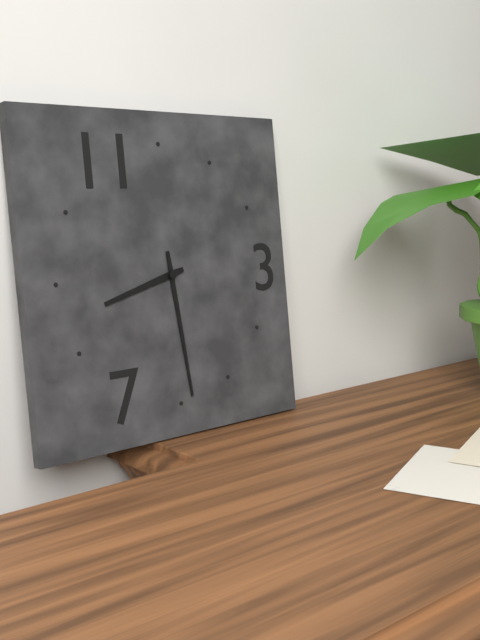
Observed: 8.29
